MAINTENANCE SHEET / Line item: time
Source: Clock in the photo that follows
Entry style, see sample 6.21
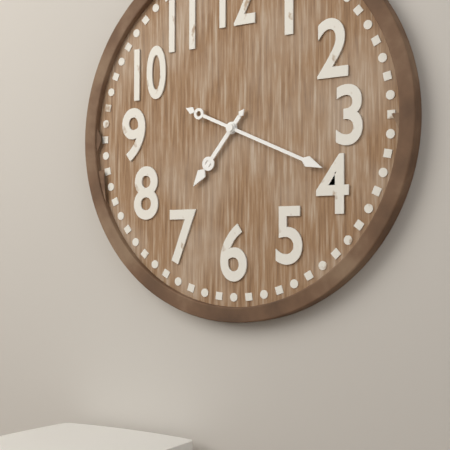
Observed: 7.19
